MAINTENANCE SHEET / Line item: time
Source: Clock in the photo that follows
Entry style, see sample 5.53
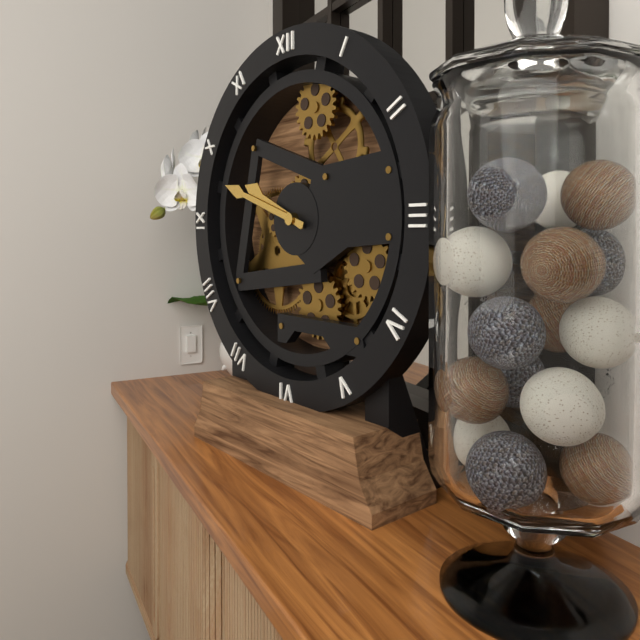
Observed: 9.48
